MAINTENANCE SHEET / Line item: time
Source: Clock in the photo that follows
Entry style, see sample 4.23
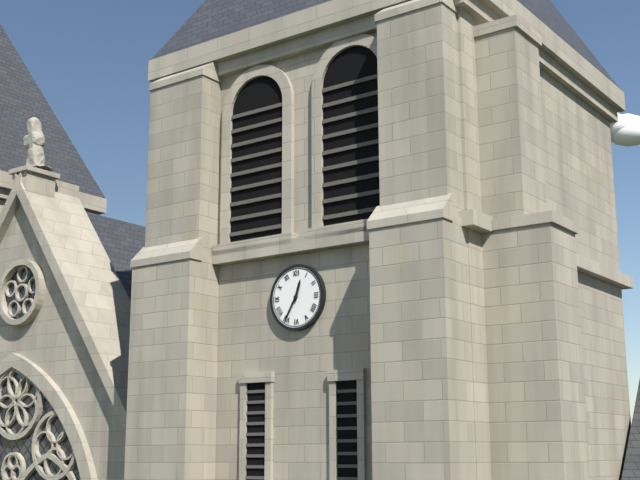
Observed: 12.35
